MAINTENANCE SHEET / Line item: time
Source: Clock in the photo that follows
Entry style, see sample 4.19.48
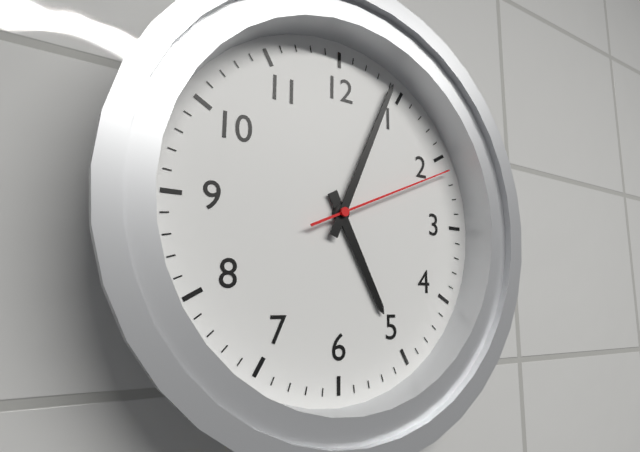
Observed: 5.04.11
